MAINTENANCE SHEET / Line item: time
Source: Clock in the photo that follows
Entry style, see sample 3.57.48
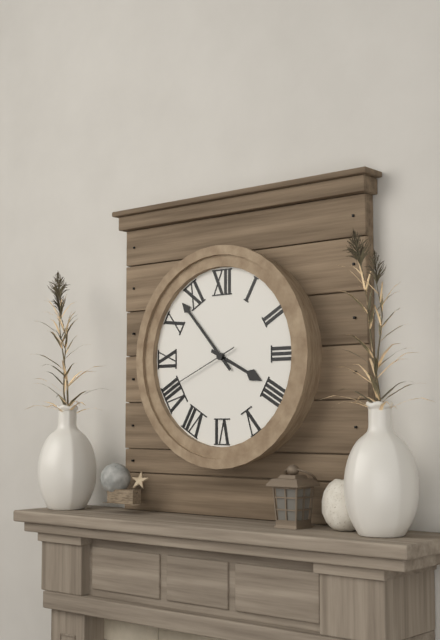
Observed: 3.53.41
